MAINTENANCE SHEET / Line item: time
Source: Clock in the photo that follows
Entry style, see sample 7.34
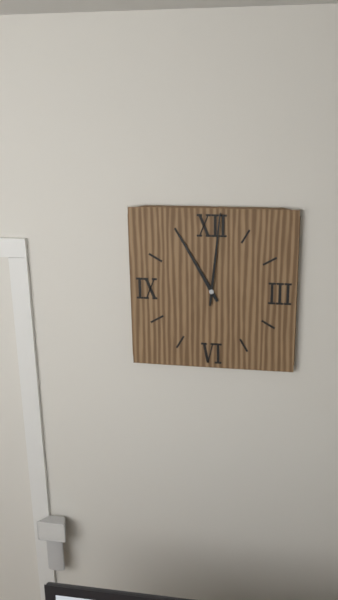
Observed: 11.01
